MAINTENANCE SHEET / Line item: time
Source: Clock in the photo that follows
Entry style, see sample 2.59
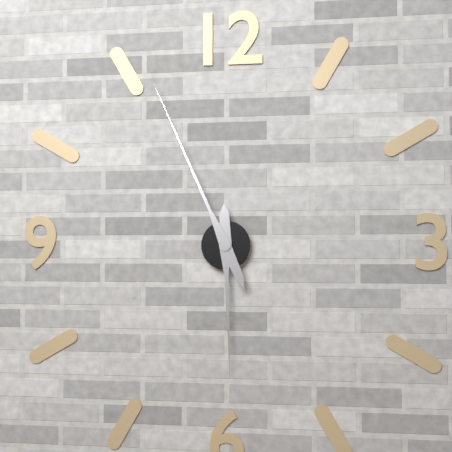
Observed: 5.56
